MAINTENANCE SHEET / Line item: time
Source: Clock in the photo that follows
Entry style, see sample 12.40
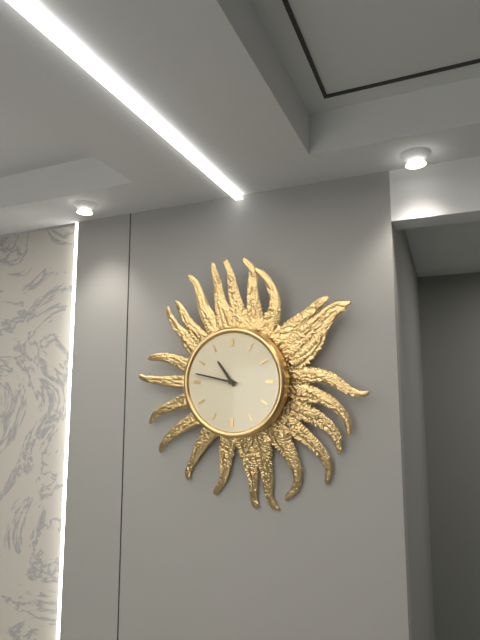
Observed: 10.47
